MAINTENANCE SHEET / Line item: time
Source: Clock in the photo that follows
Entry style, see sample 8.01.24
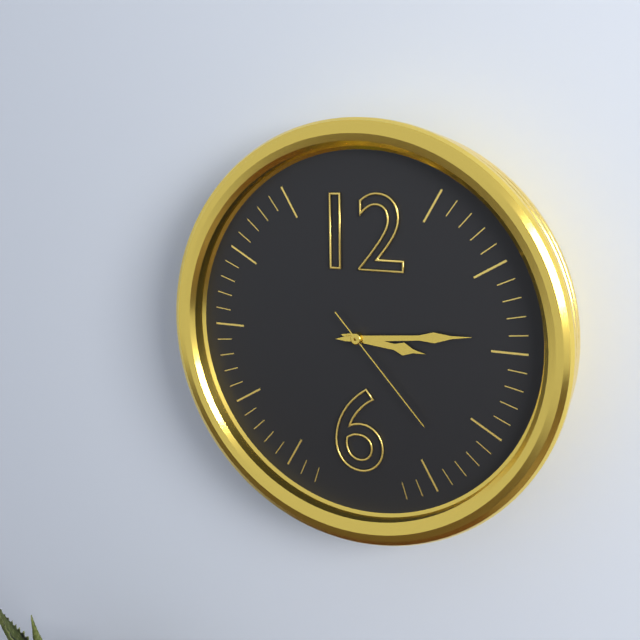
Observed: 3.14.23
